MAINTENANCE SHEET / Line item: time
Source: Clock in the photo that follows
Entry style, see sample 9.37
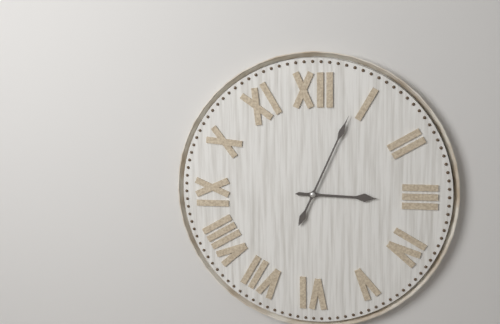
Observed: 3.04
